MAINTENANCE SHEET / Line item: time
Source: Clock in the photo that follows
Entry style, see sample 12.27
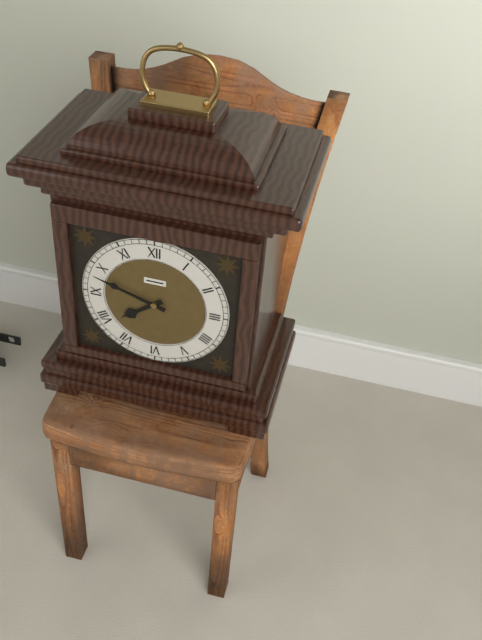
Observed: 7.48
